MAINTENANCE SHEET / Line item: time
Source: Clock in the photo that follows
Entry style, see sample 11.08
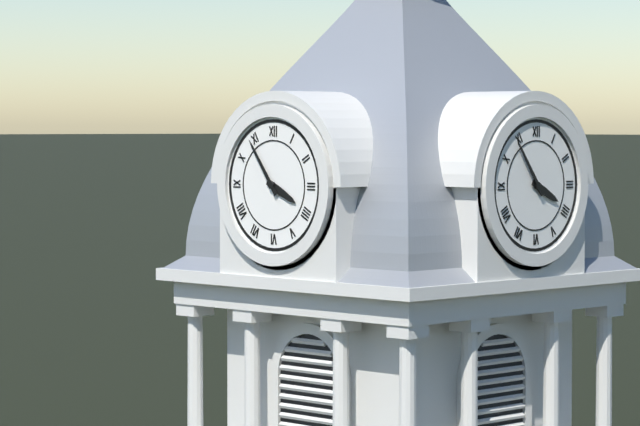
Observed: 3.54
